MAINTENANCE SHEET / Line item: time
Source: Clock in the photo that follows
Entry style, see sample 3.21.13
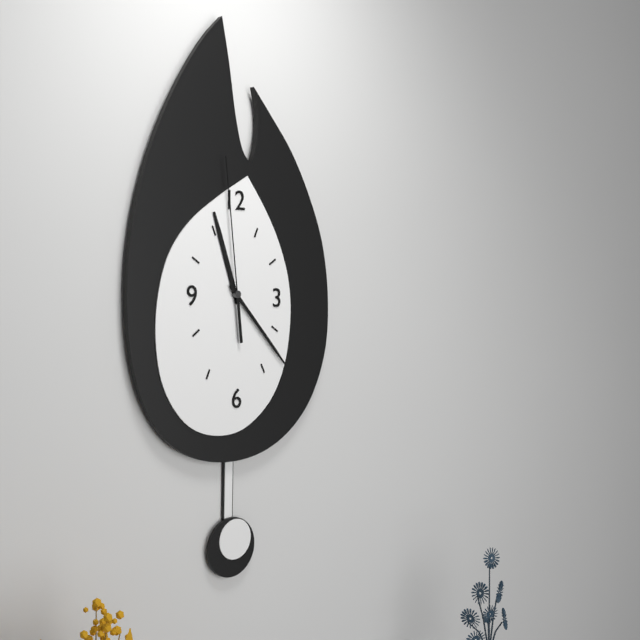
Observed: 11.23.59
